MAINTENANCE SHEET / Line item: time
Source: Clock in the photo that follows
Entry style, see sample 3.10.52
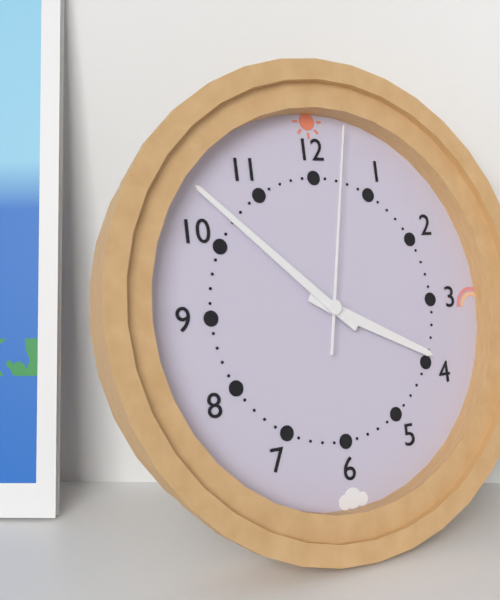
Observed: 3.52.02
